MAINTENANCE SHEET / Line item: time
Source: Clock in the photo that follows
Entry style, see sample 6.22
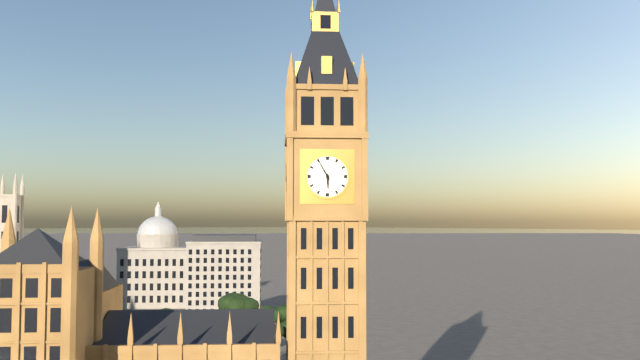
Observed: 5.55
